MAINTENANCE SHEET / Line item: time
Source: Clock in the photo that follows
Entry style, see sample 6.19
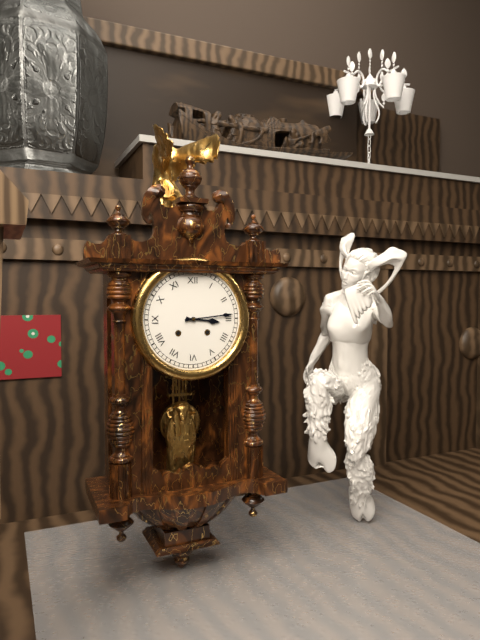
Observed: 3.14
